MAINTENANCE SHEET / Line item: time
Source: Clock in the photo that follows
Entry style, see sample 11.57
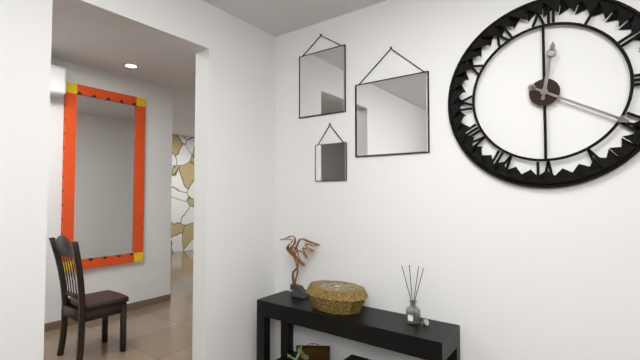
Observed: 12.20
